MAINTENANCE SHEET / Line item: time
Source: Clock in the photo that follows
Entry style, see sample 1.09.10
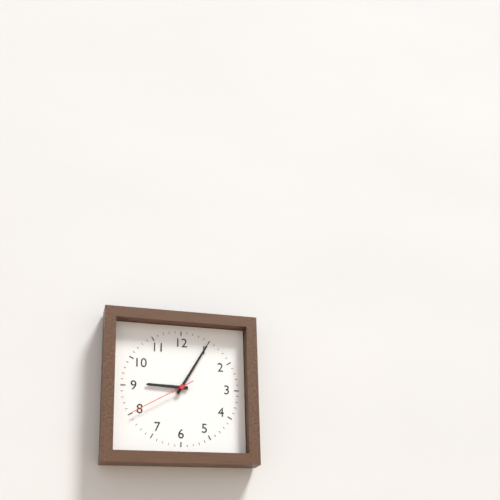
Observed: 9.05.40
